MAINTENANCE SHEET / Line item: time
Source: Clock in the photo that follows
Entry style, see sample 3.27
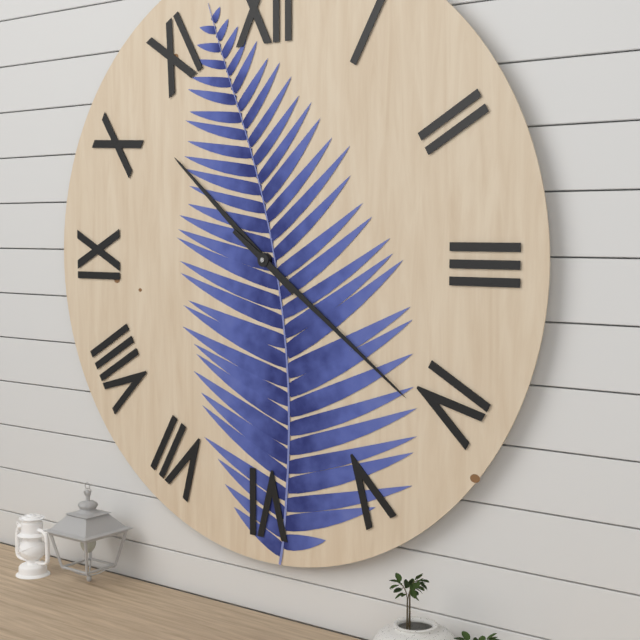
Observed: 10.21
